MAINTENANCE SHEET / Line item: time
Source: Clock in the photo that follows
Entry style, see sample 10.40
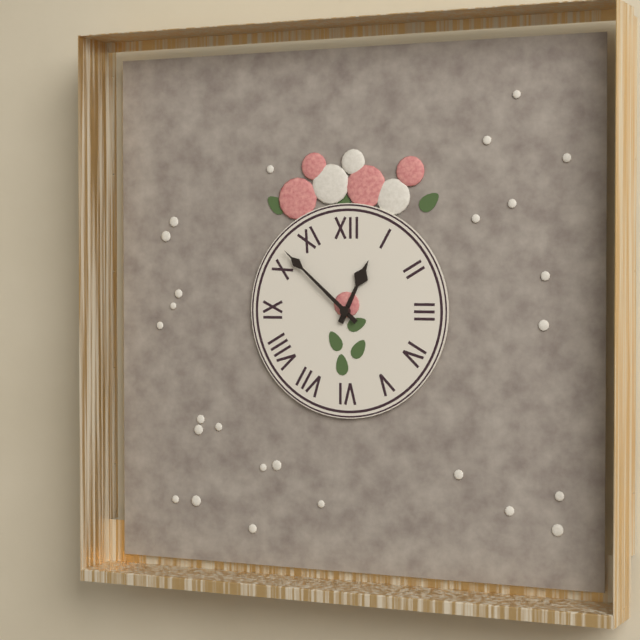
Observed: 12.52
